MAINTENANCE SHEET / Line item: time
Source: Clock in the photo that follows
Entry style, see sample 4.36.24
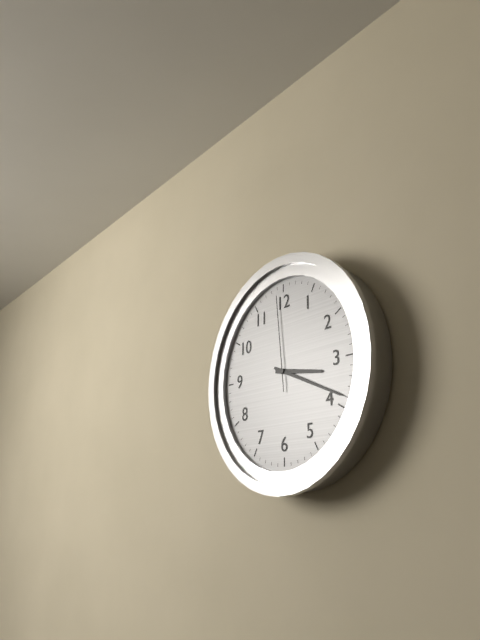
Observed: 3.19.59
